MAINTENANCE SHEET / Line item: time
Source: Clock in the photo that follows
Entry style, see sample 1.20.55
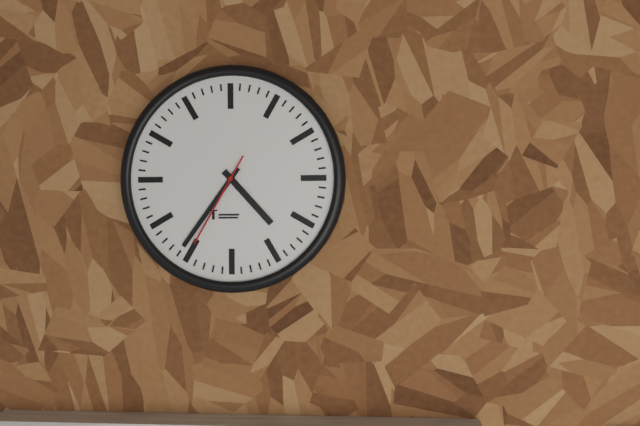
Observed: 4.36.35
